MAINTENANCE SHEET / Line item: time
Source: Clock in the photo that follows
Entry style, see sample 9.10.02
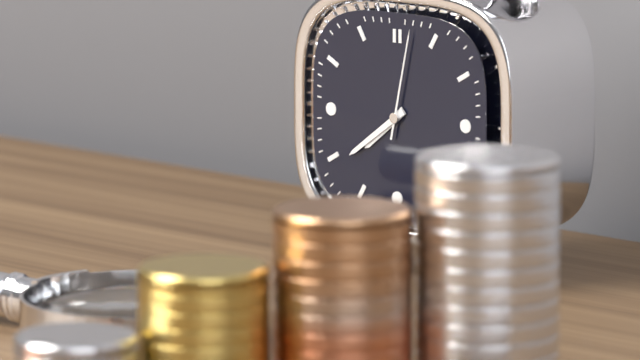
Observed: 7.39.02
